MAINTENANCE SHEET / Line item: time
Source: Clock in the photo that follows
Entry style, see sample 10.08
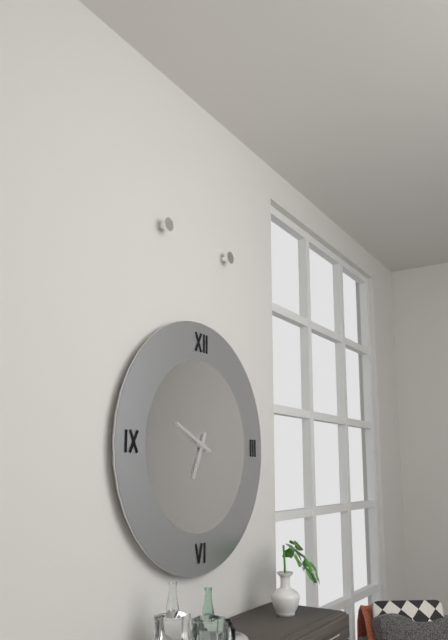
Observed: 6.49
